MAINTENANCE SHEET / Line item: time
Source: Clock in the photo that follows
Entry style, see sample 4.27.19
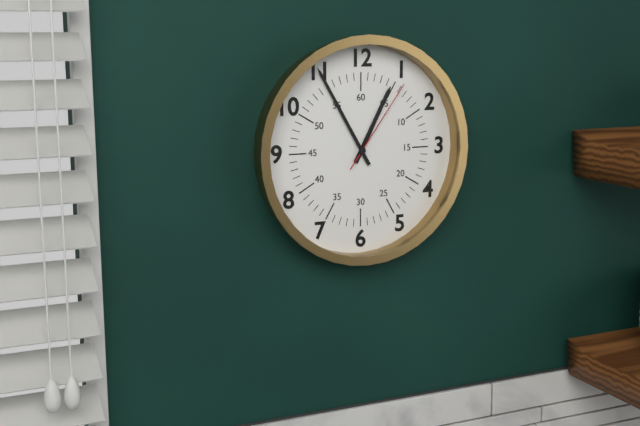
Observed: 12.55.06
